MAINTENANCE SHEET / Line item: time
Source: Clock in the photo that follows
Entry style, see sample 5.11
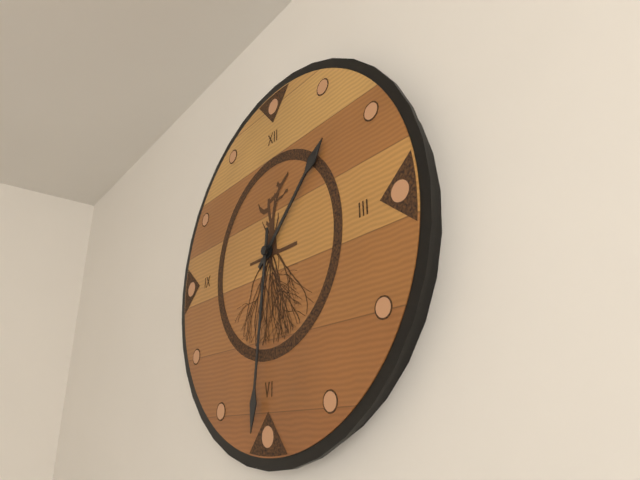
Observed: 1.31
